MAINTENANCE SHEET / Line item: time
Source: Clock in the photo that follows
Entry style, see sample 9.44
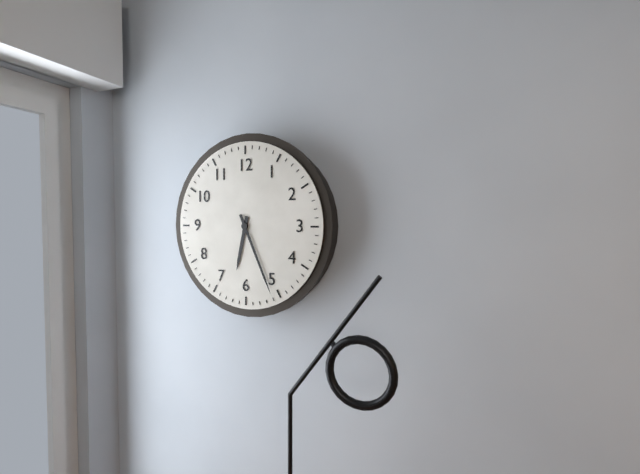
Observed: 6.26
